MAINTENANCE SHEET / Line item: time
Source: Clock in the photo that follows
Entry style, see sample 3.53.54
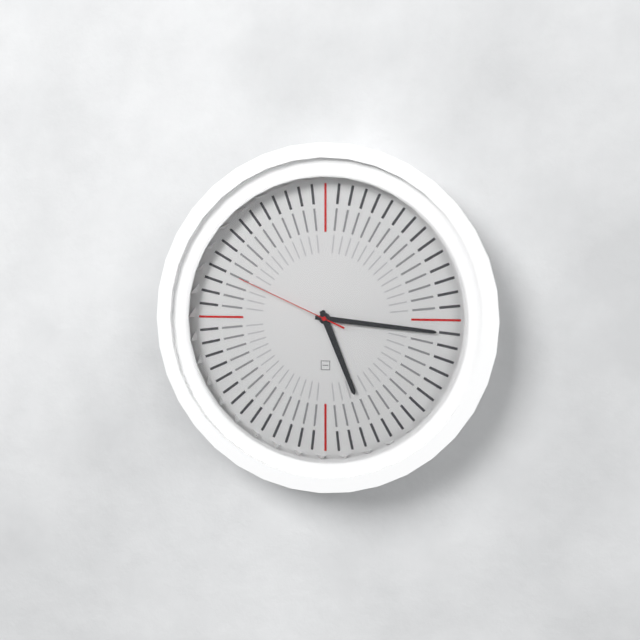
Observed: 5.16.49
